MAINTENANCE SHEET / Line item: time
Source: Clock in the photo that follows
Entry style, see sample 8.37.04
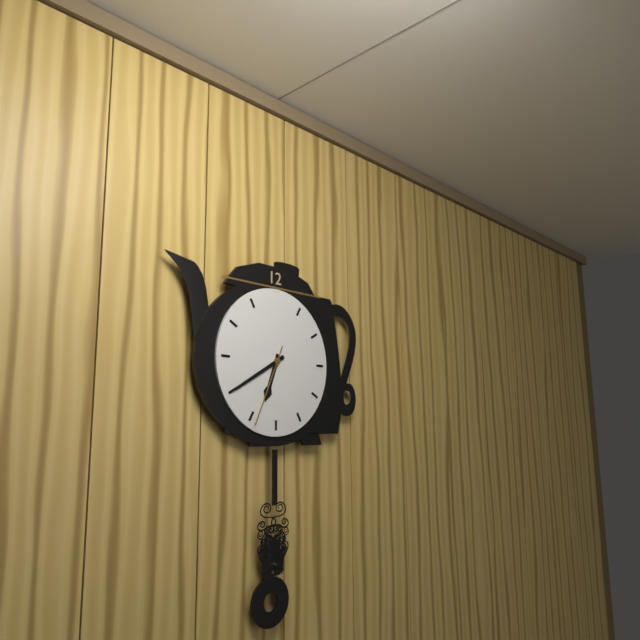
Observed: 6.40.34
